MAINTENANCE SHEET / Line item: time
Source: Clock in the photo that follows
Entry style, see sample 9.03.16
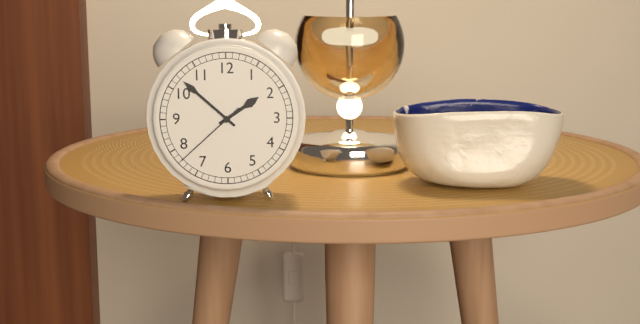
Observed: 1.52.38
